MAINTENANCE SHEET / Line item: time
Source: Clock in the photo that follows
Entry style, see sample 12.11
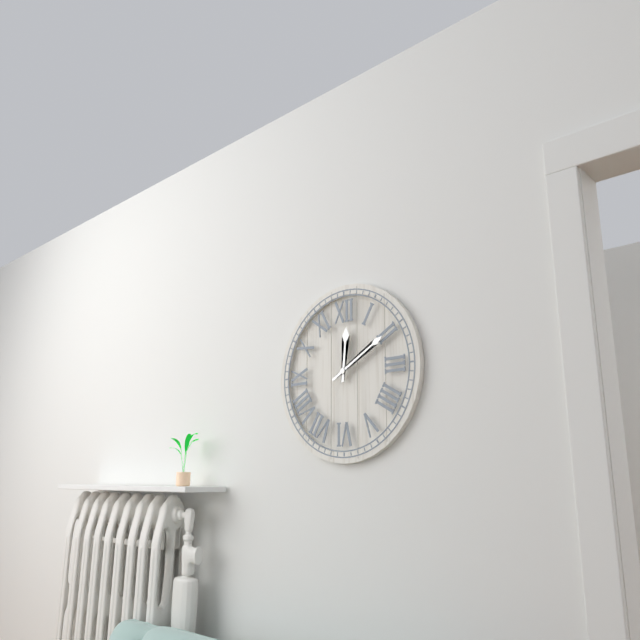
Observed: 12.10
